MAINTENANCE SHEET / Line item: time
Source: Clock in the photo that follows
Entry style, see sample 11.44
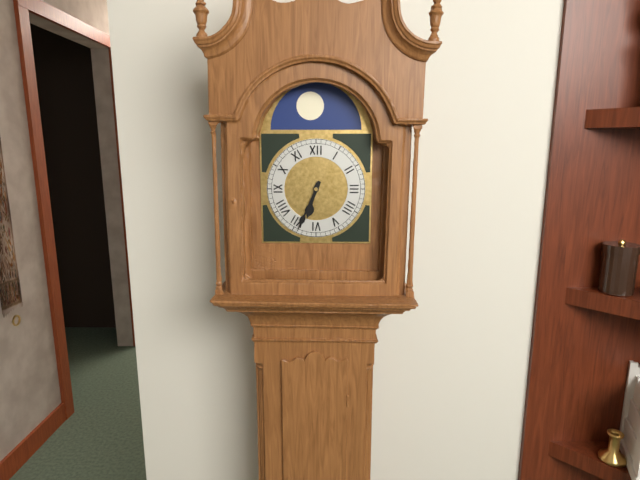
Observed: 6.34
